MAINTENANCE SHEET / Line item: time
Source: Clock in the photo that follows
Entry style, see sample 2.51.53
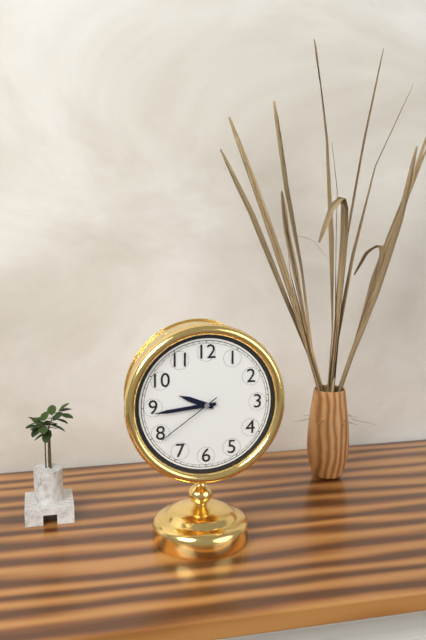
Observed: 9.44.39
